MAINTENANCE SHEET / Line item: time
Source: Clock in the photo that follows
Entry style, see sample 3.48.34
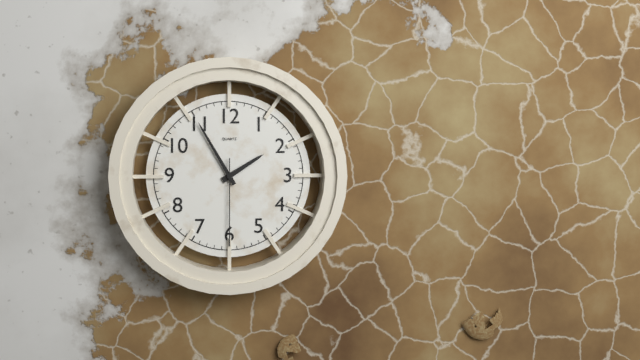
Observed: 1.55.30
